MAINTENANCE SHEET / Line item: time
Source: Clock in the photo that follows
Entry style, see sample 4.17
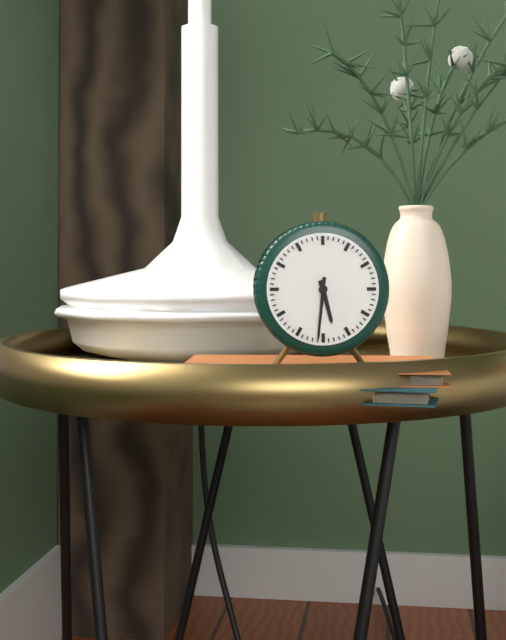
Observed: 5.31
